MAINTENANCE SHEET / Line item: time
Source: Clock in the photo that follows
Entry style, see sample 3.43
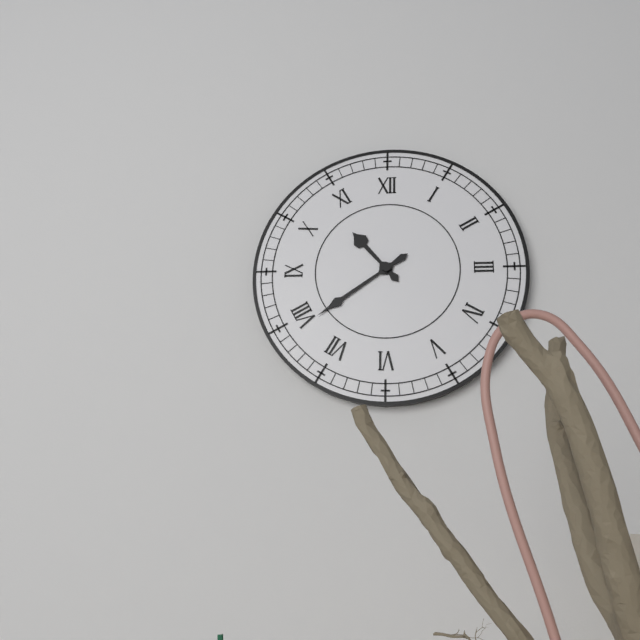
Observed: 10.39
